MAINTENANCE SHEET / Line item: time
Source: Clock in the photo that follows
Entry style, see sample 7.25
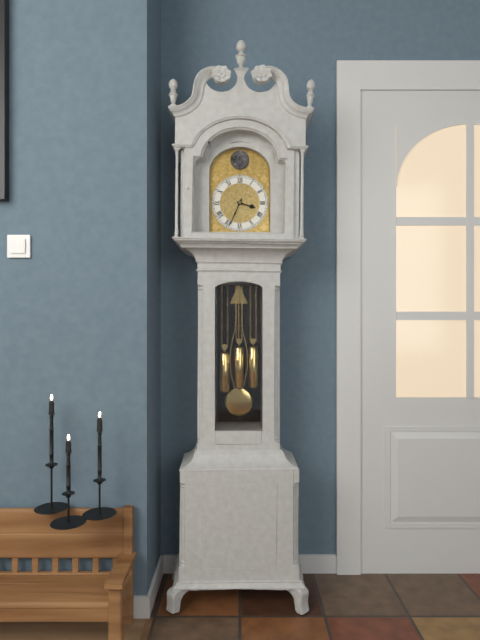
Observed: 3.34
